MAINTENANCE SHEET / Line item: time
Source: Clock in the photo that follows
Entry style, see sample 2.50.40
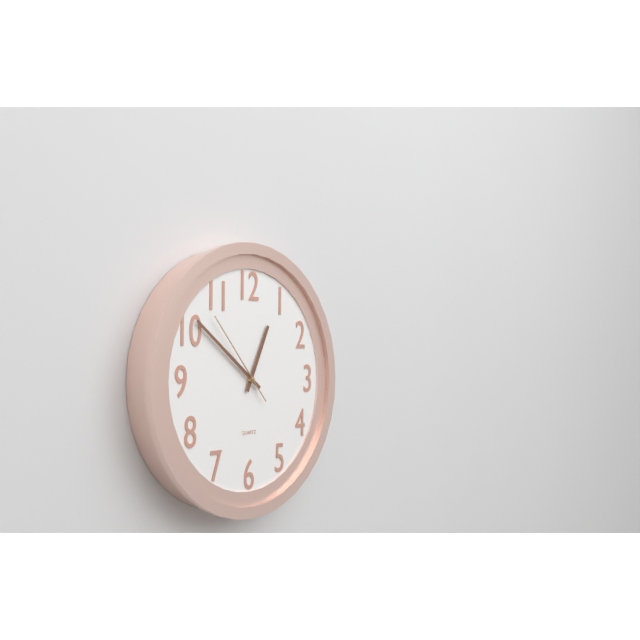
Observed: 12.51.53
